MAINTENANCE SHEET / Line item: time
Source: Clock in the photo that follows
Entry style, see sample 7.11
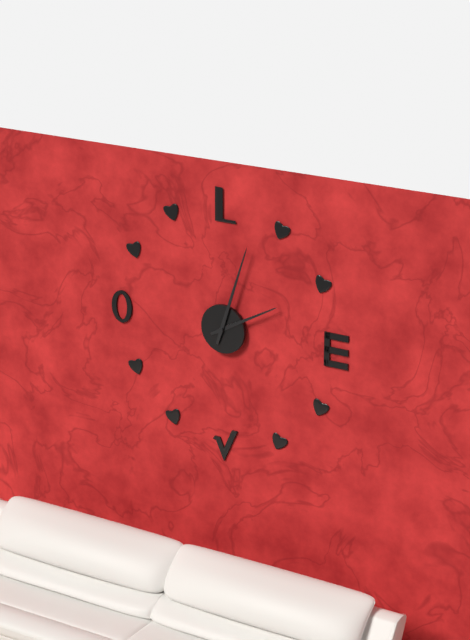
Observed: 2.03
